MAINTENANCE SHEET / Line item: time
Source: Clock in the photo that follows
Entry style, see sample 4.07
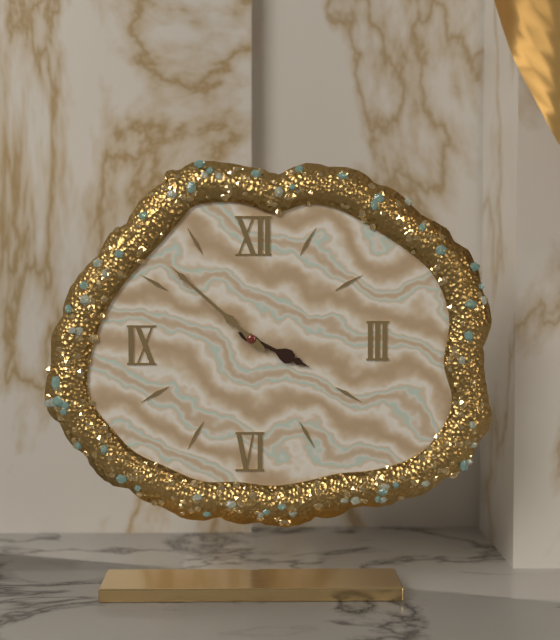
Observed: 3.52
